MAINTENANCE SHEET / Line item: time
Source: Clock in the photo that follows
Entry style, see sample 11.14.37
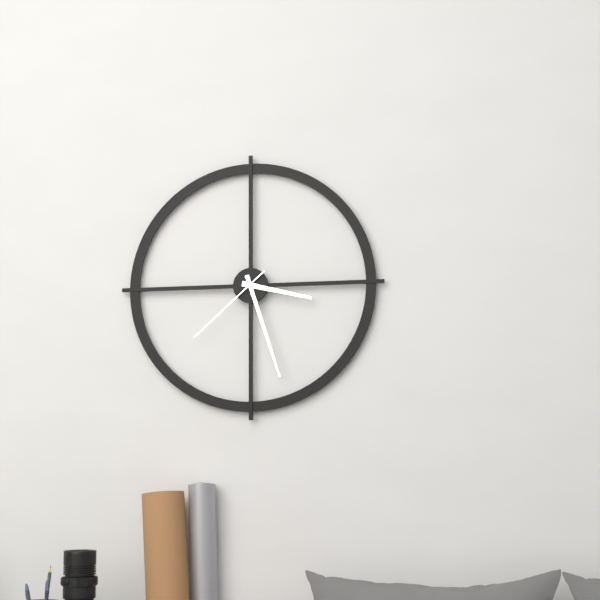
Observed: 3.27.38
